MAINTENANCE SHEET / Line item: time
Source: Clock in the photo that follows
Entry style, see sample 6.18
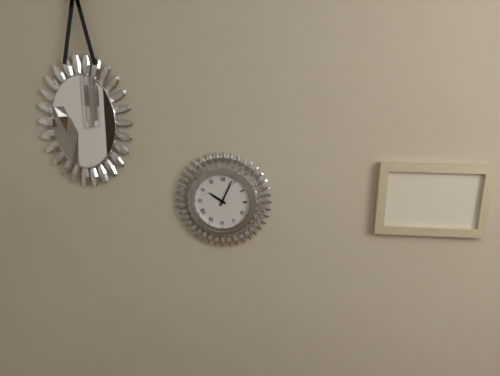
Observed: 10.04
